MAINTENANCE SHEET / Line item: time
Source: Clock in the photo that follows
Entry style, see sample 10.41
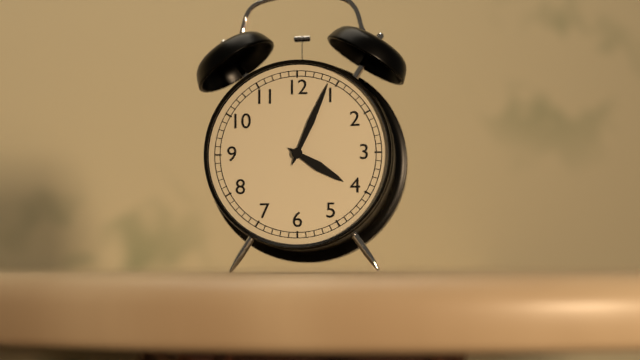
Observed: 4.04
